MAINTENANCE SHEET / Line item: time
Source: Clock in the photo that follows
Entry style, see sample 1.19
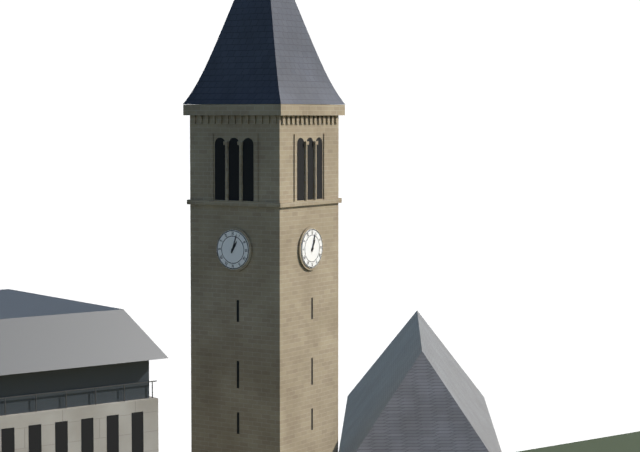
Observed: 1.03
